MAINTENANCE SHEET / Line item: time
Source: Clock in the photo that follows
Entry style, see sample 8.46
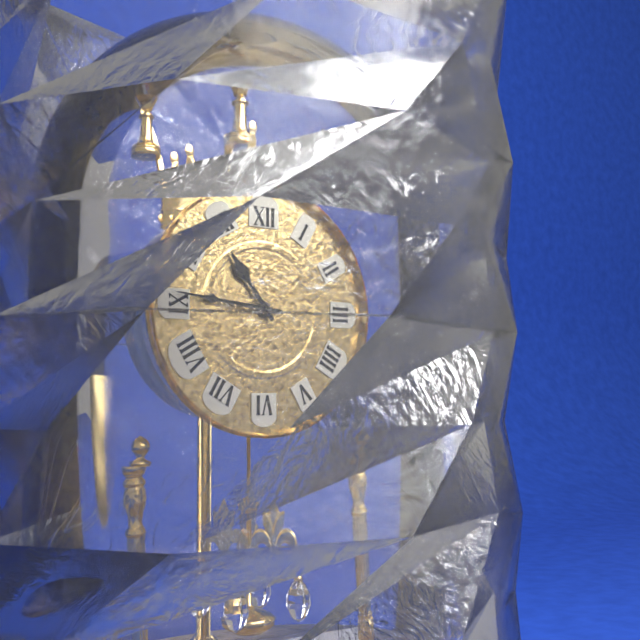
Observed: 10.46
